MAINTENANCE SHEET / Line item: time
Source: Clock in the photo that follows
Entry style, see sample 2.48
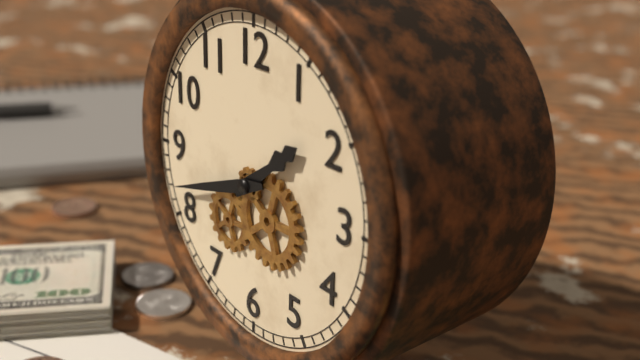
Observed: 1.42
